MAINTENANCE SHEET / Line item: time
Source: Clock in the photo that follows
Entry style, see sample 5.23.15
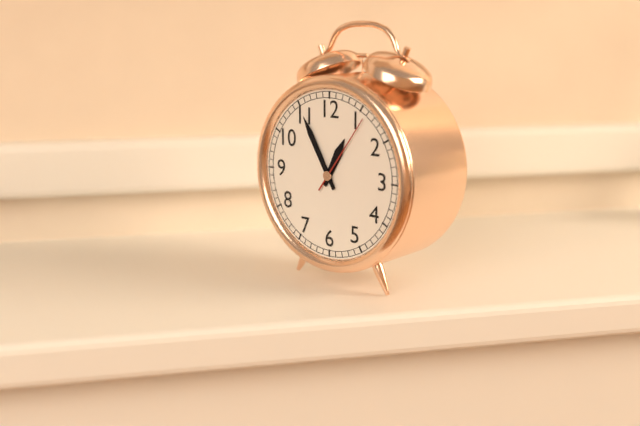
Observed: 12.55.06
